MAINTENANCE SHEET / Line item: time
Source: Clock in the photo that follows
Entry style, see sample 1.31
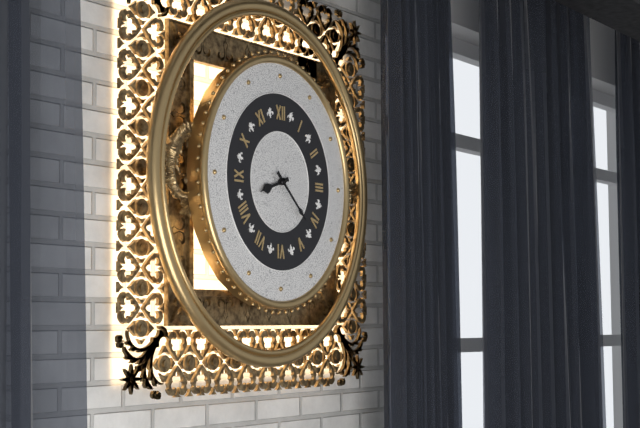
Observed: 8.22
